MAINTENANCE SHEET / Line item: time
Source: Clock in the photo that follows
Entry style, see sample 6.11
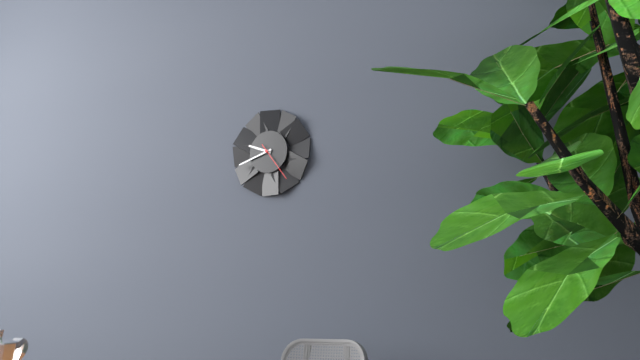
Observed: 9.42
